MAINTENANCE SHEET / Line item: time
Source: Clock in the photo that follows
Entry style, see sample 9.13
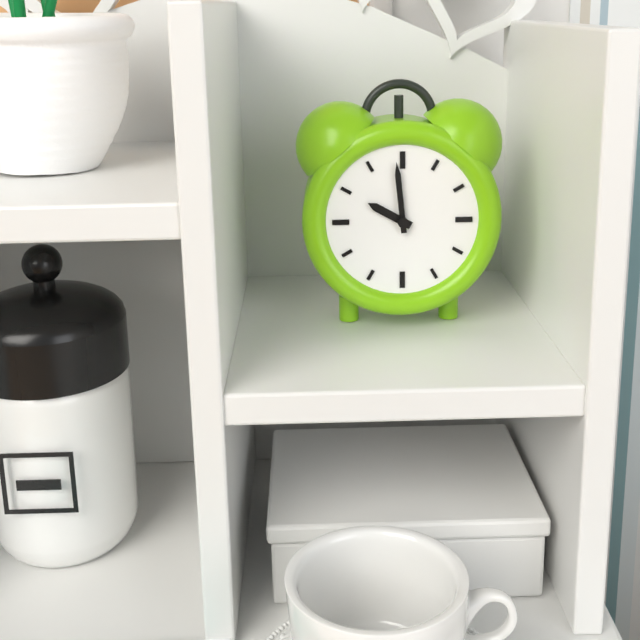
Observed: 9.59
